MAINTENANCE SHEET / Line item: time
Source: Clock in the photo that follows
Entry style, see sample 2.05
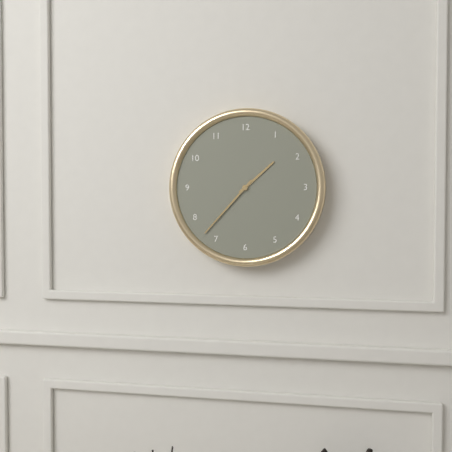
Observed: 1.37
